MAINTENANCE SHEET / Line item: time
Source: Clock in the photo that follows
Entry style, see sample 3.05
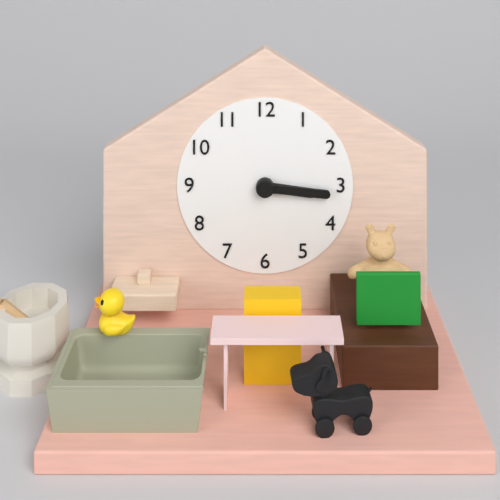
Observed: 3.16
